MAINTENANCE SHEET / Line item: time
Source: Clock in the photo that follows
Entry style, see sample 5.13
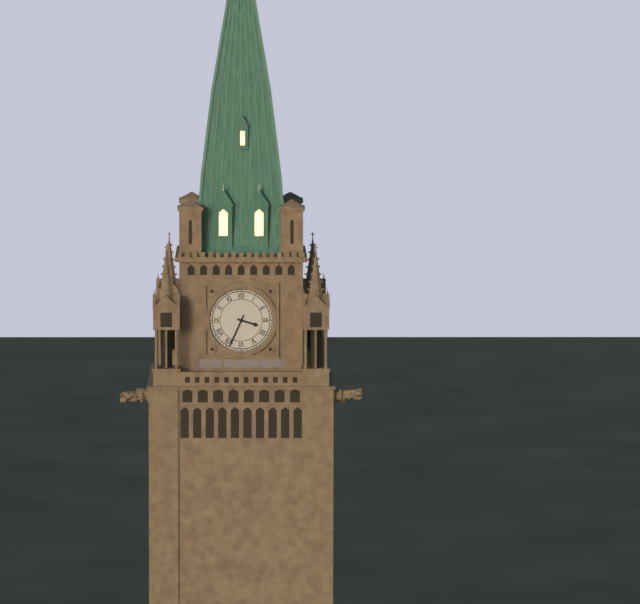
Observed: 3.34
